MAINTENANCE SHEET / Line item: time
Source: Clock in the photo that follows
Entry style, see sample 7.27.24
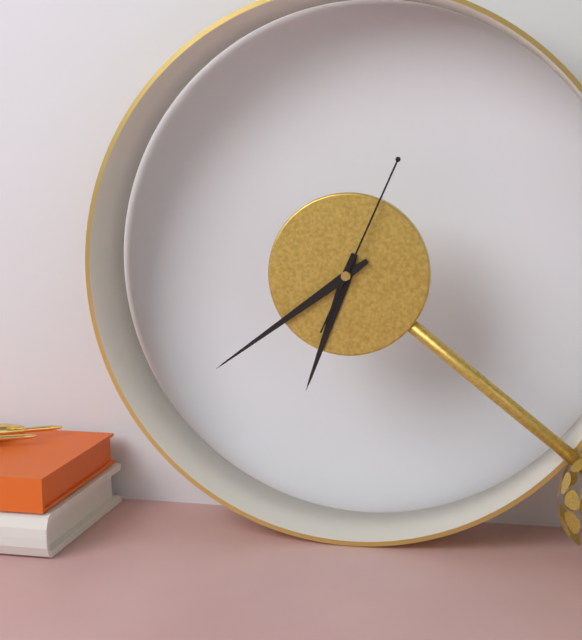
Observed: 6.39.04
